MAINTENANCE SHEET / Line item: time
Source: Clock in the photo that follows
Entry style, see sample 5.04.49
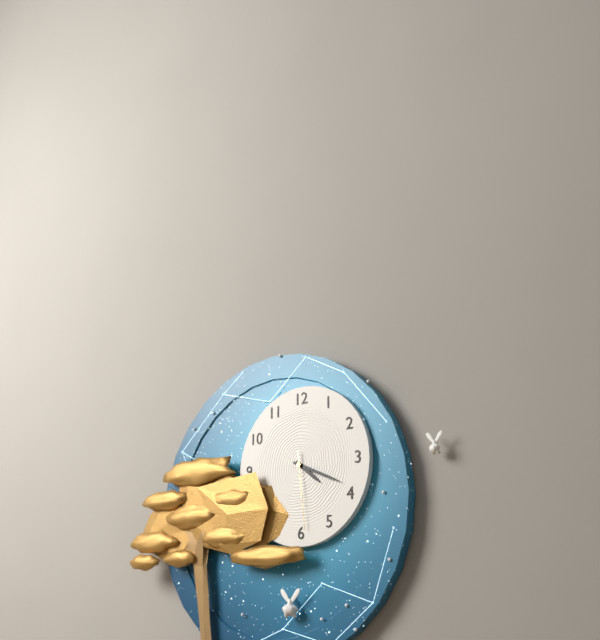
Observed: 4.19.29
